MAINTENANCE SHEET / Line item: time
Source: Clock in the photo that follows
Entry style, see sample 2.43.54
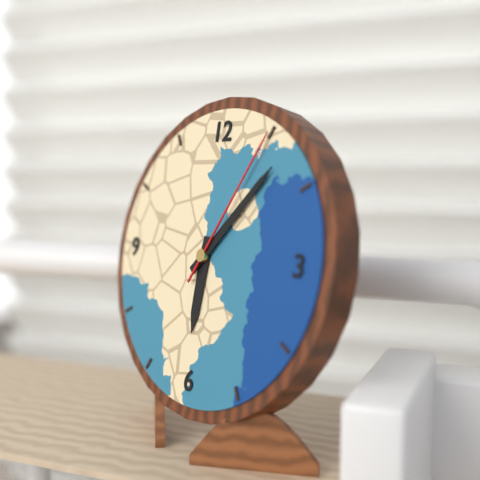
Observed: 6.07.05
